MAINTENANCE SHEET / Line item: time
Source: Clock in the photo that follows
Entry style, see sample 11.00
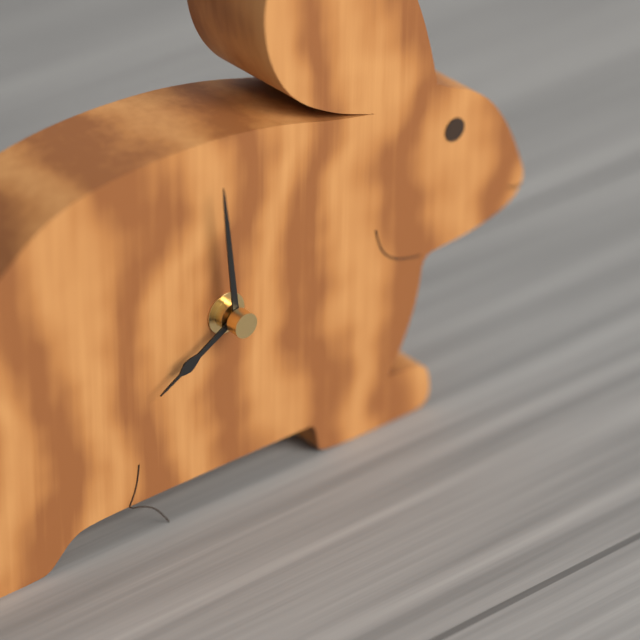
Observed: 7.59
